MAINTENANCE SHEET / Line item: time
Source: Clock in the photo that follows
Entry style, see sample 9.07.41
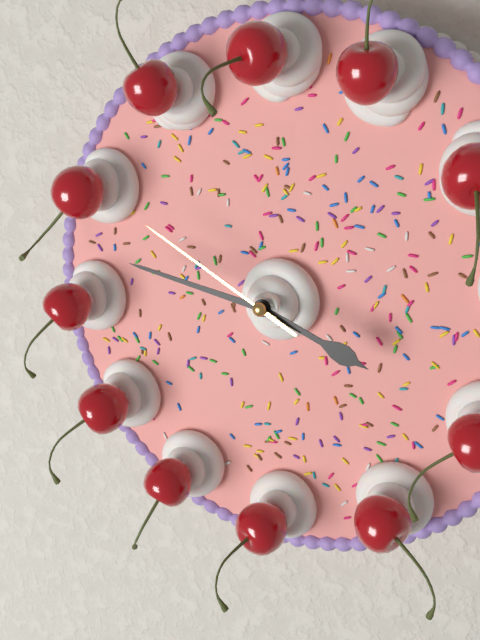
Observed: 3.47.50
